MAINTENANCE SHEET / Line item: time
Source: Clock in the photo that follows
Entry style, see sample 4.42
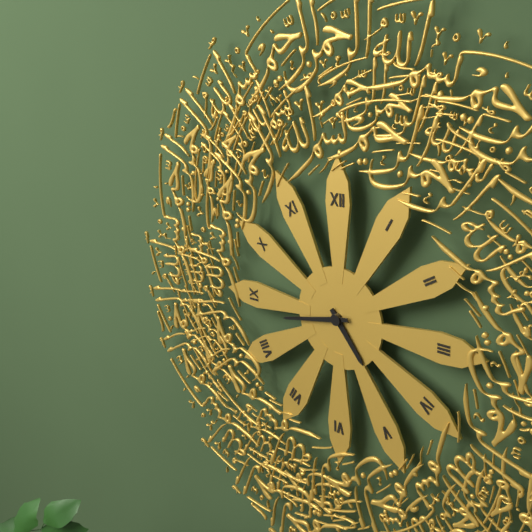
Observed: 4.43
